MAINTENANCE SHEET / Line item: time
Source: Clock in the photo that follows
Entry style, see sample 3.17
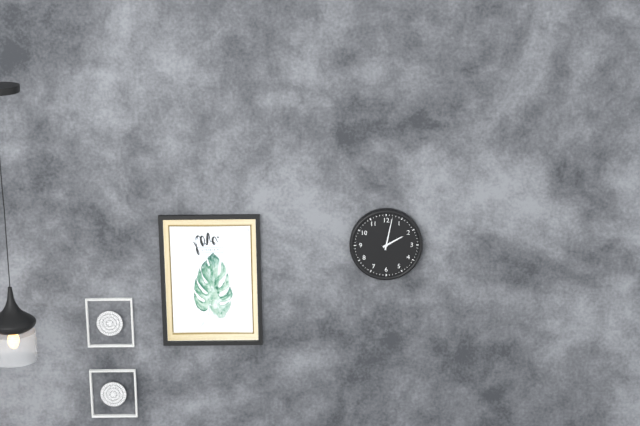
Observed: 2.02
